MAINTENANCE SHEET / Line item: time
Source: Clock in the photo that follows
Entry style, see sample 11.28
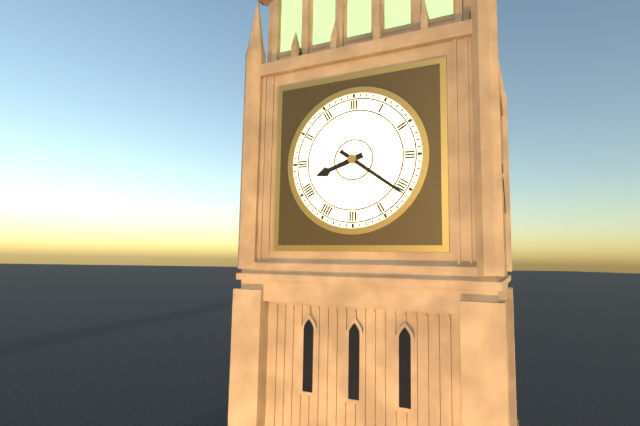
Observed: 8.21
